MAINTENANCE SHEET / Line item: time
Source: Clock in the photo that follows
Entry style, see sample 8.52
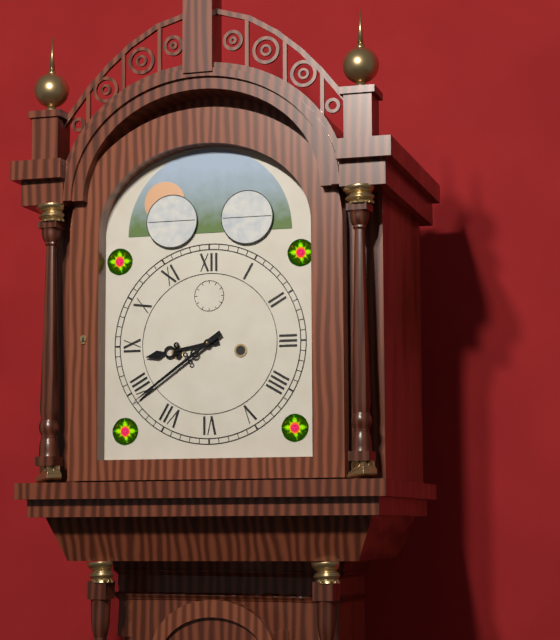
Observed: 8.39
